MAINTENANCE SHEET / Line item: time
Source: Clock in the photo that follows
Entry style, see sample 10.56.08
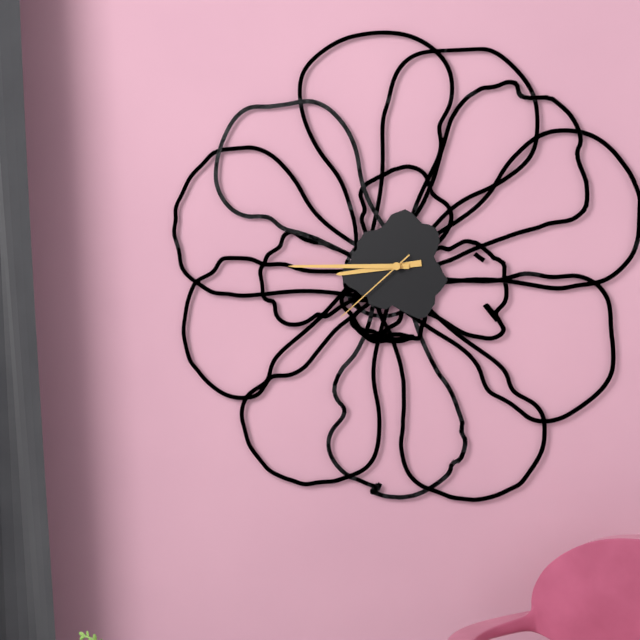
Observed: 8.45.38
